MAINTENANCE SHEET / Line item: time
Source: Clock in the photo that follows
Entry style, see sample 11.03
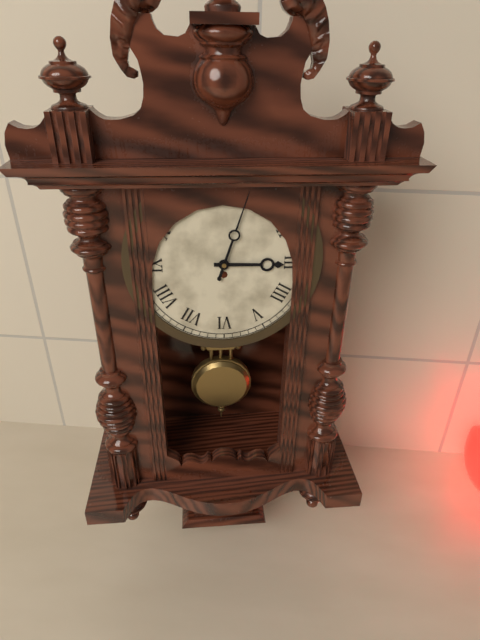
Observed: 3.03
